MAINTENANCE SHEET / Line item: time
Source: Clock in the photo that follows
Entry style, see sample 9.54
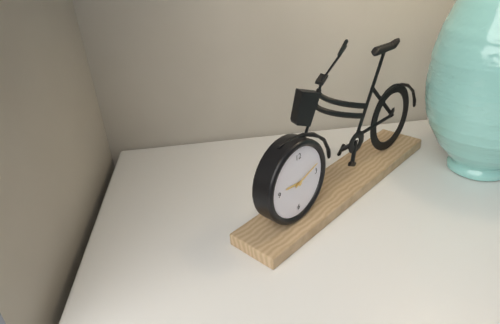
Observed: 9.12
